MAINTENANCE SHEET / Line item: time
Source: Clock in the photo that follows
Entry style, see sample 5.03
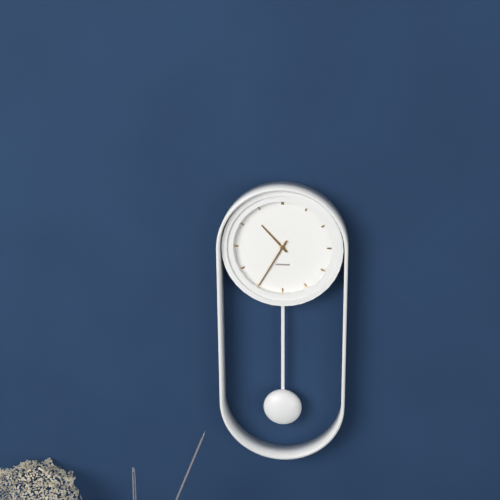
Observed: 10.35
